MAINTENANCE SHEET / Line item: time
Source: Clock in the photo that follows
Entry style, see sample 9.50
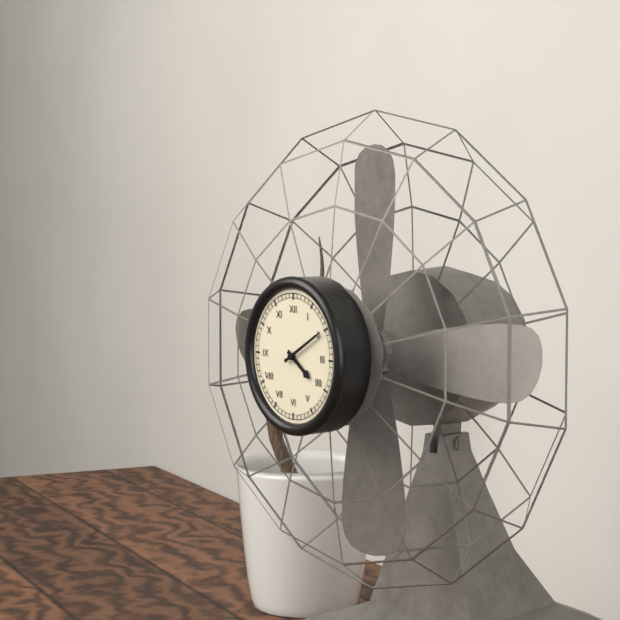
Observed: 4.10
